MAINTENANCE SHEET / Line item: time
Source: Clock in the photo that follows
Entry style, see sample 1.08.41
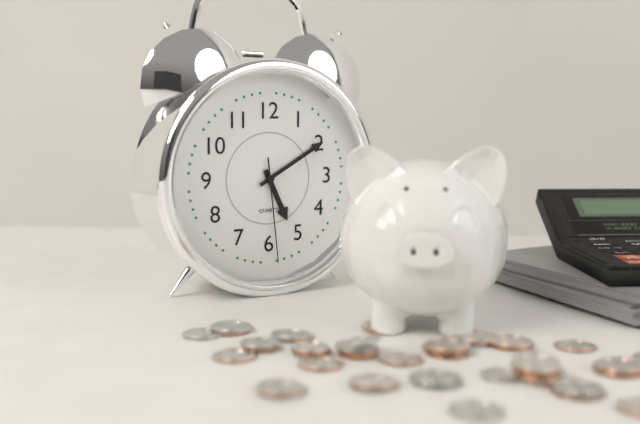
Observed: 5.10.29
